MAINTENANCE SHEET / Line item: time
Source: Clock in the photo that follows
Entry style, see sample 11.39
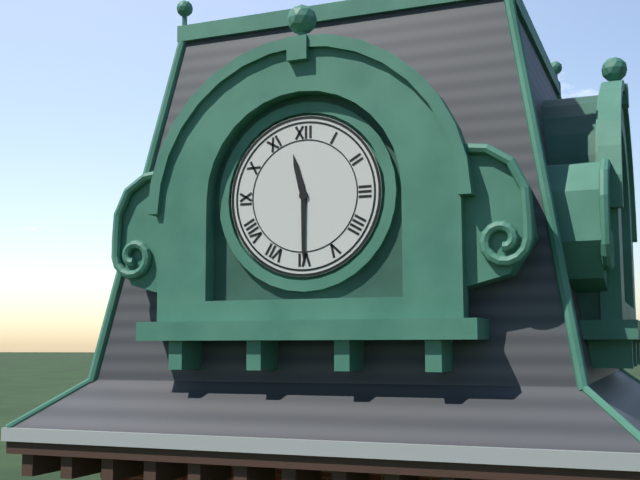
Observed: 11.30
